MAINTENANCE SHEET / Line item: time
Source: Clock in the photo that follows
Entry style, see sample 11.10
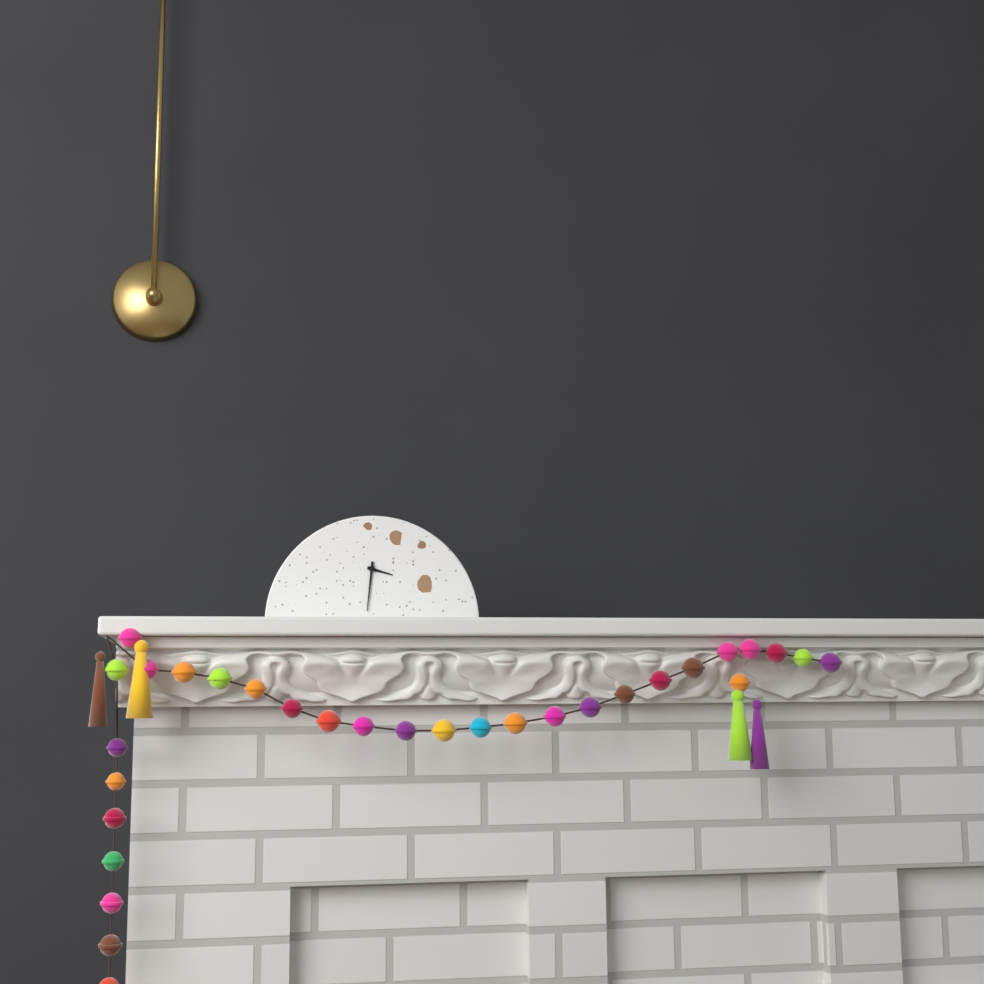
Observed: 3.31
